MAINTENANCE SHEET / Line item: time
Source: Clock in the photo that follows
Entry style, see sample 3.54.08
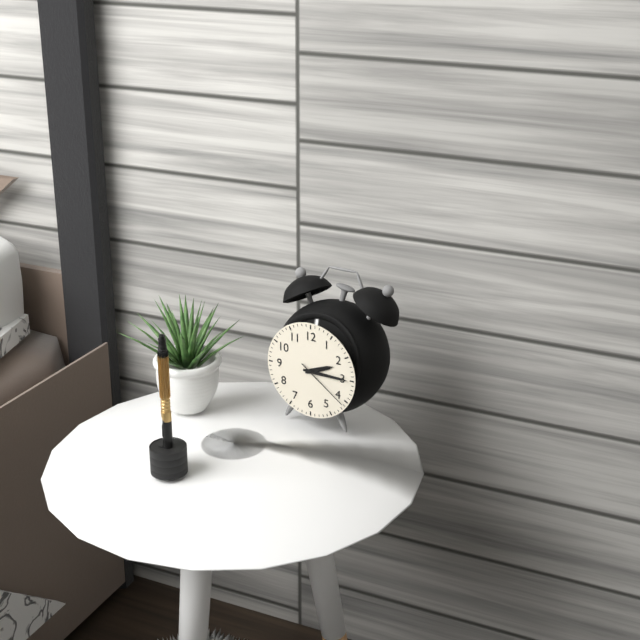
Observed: 2.15.21
